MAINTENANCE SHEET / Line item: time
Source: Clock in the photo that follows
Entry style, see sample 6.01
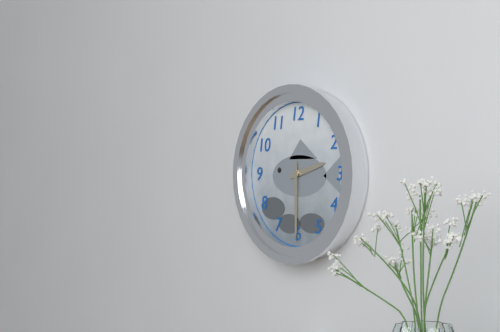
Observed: 2.30
